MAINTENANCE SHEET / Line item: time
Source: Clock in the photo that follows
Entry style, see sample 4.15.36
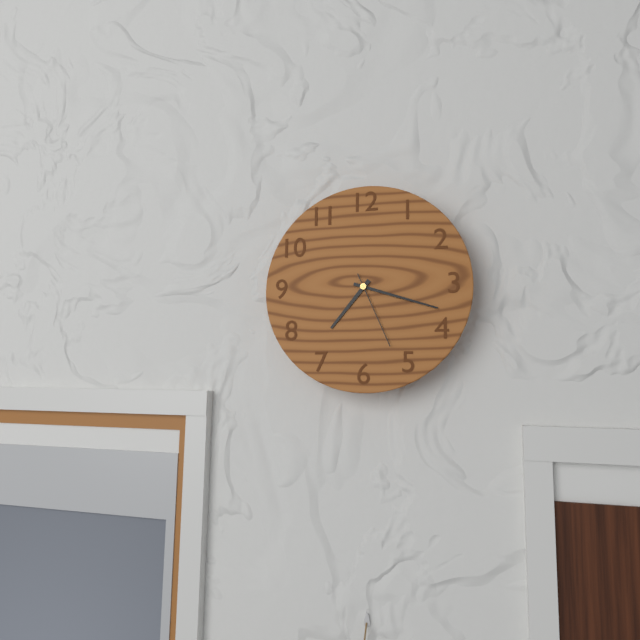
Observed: 7.18.26
